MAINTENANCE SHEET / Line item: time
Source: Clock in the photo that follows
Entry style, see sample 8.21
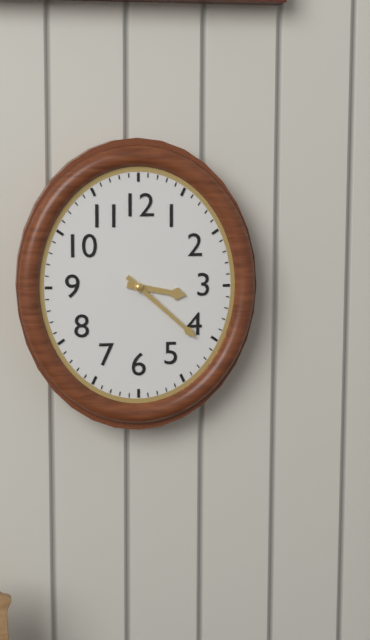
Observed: 3.22
